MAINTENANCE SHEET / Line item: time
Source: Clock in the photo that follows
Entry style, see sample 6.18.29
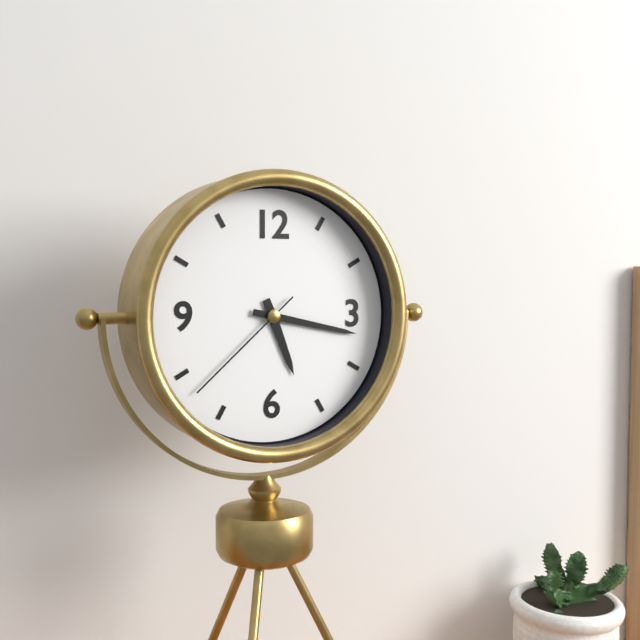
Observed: 5.17.38
